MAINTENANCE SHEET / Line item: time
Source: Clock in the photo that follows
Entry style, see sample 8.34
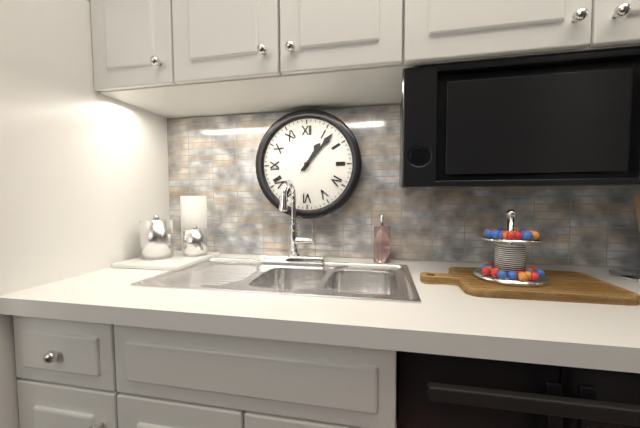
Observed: 1.07
